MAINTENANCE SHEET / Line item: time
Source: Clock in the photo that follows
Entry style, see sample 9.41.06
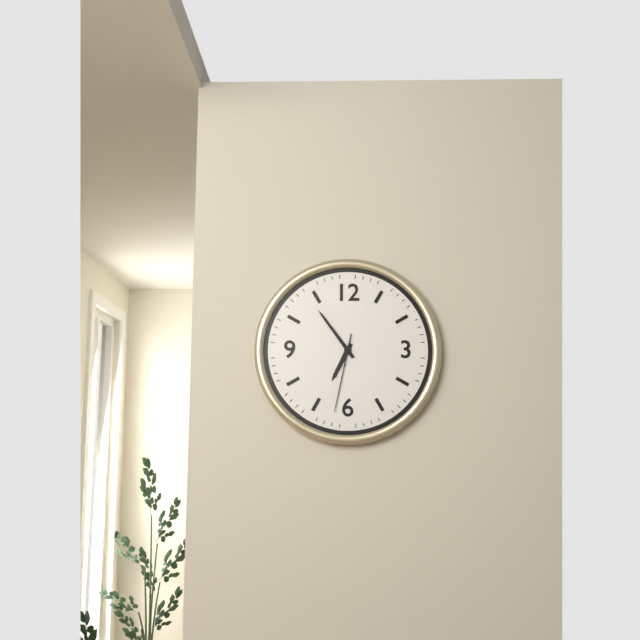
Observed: 6.54.32
